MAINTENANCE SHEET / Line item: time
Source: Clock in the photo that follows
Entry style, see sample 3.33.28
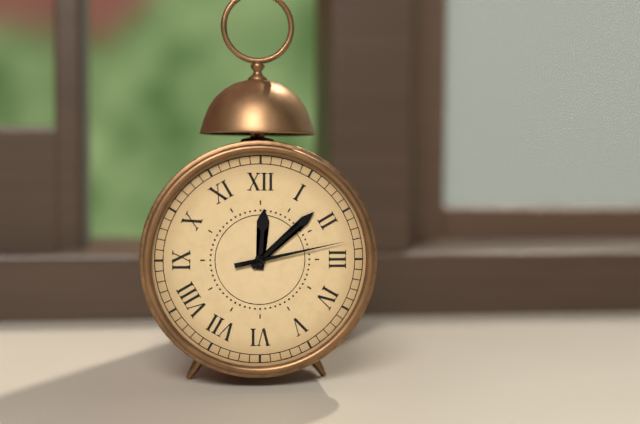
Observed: 12.08.13
